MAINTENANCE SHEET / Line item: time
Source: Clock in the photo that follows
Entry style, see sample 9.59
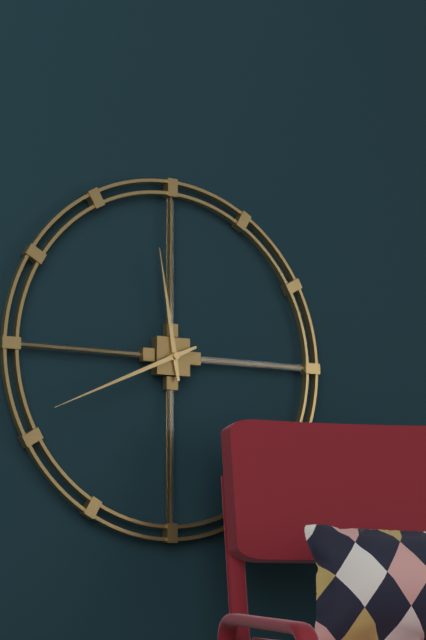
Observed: 11.41
